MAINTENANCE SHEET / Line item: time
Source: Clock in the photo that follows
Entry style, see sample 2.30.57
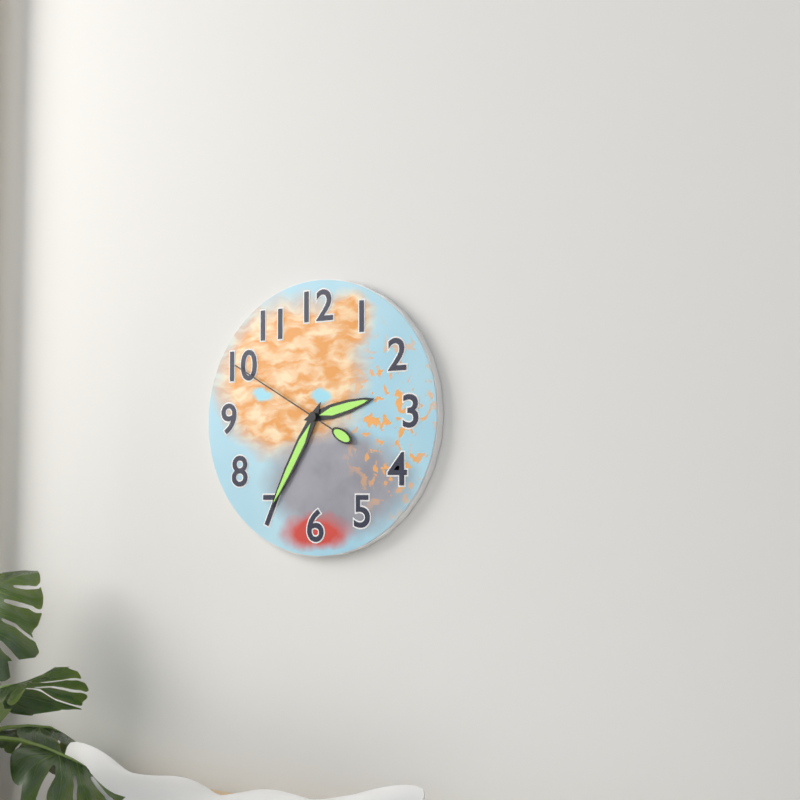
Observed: 2.35.50
